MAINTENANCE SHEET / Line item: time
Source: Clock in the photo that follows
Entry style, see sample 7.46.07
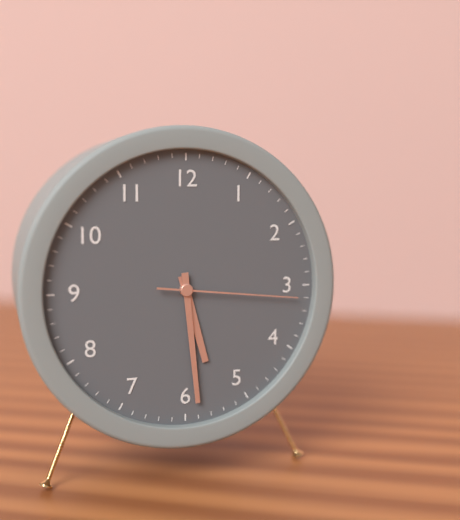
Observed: 5.29.16
